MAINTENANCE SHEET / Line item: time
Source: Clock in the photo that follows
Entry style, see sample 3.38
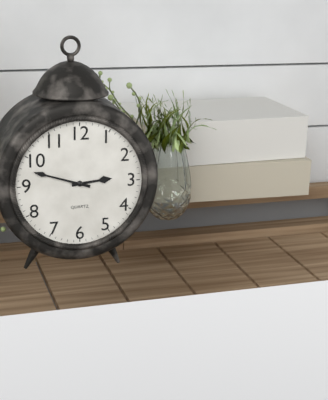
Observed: 2.48
